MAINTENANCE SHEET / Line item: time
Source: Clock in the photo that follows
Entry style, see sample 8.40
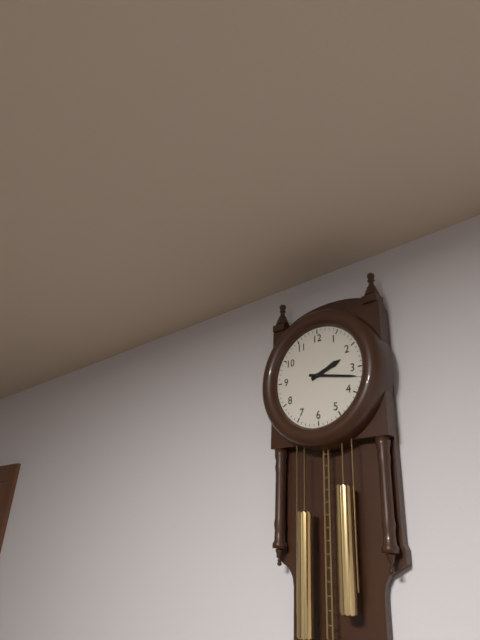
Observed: 2.17
